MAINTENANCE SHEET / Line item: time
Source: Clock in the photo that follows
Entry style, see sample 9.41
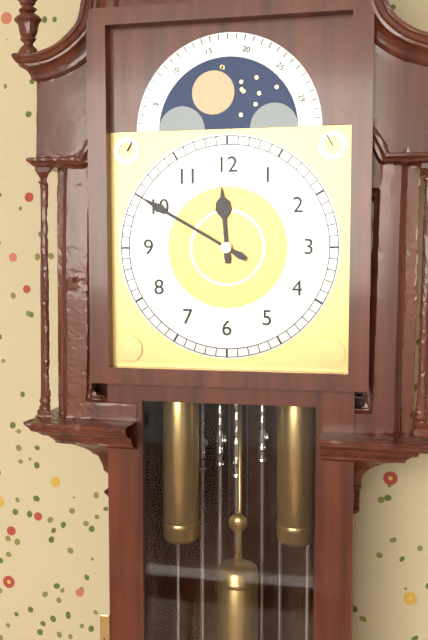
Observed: 11.50
